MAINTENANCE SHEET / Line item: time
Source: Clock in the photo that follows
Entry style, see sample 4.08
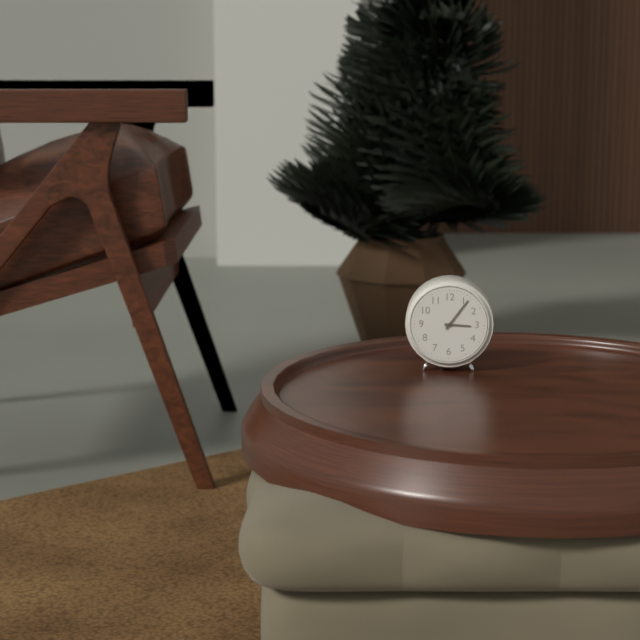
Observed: 3.06
